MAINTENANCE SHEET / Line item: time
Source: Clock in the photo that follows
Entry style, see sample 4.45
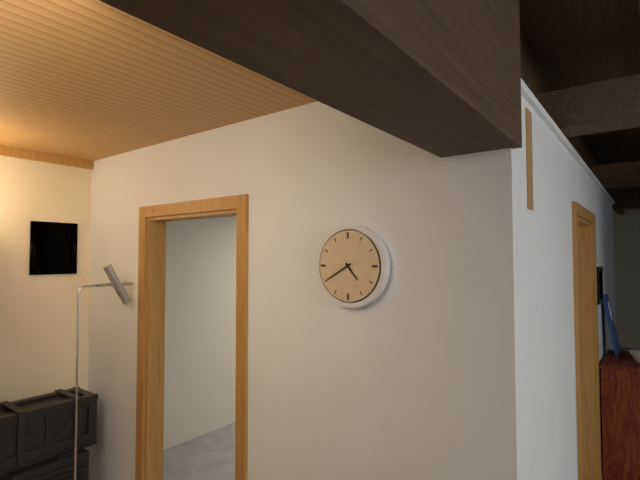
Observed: 4.40
